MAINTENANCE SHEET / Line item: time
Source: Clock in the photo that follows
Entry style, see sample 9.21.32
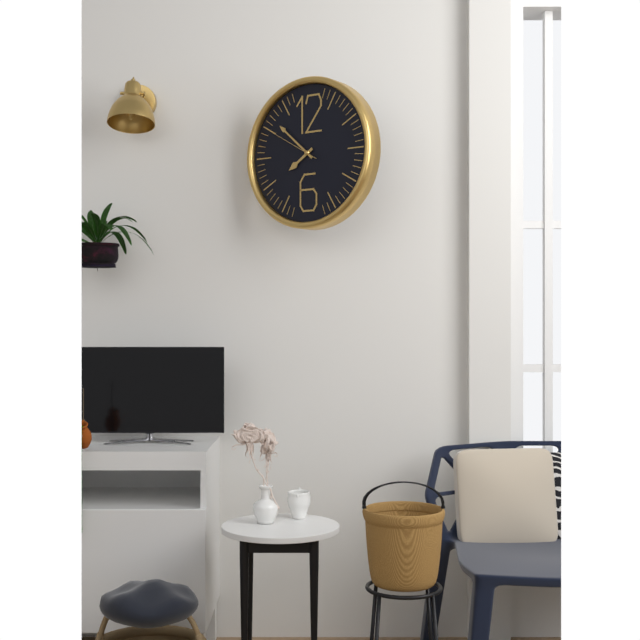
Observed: 7.52.50
